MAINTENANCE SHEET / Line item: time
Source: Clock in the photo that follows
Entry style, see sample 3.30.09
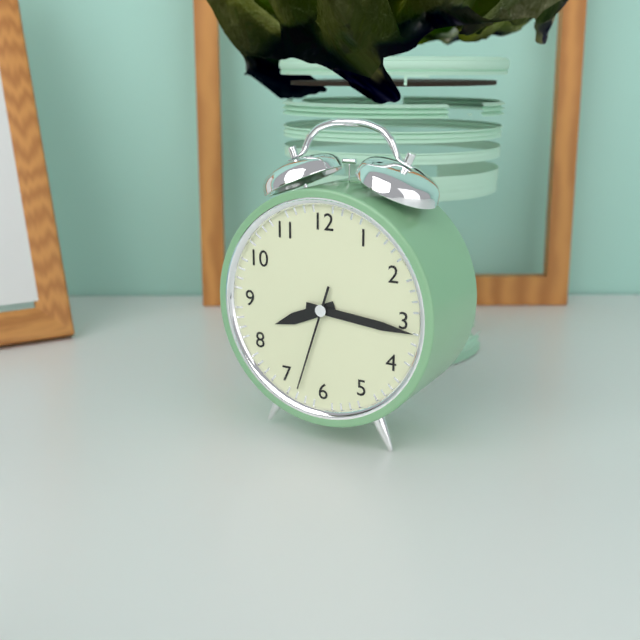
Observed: 8.16.33
